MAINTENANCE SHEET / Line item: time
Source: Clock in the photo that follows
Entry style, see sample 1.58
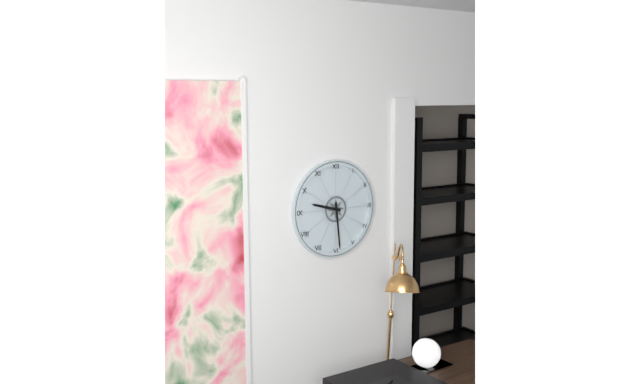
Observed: 9.29
